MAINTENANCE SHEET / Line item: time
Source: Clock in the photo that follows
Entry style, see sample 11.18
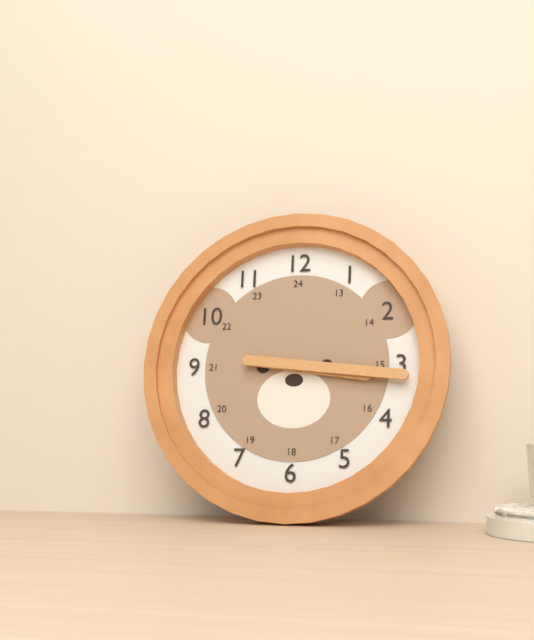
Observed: 3.16
